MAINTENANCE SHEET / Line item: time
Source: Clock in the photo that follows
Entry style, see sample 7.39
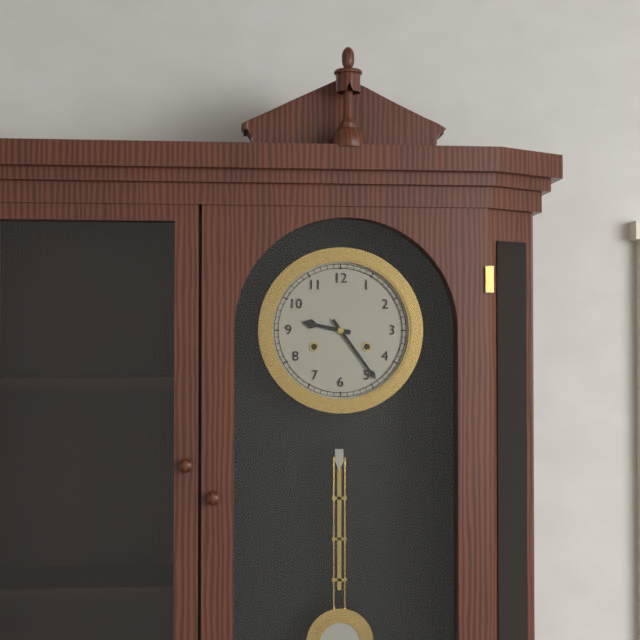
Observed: 9.24
